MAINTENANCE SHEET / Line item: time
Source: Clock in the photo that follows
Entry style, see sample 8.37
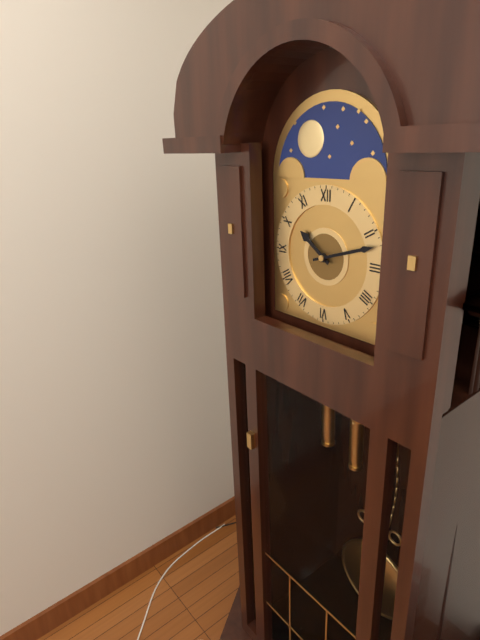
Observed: 10.12
